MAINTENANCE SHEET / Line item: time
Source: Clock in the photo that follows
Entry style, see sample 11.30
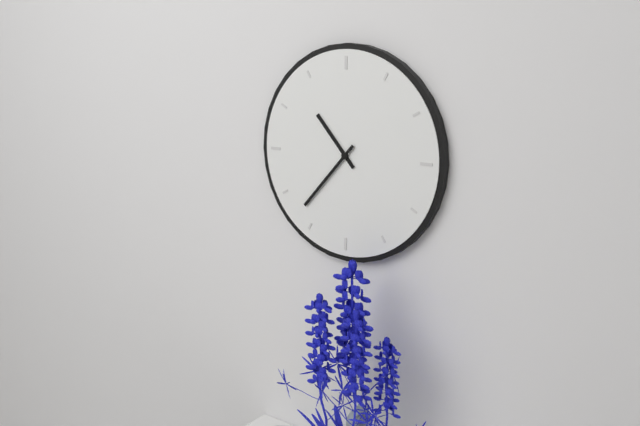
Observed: 10.37
